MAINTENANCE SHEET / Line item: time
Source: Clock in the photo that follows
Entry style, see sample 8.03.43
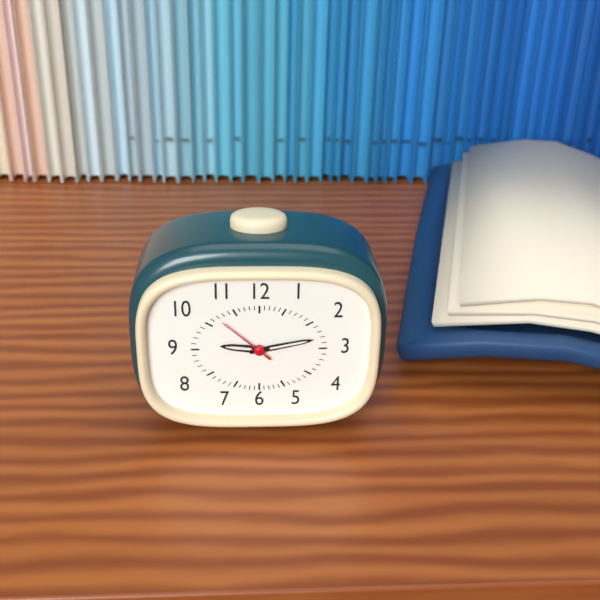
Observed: 9.13.52
